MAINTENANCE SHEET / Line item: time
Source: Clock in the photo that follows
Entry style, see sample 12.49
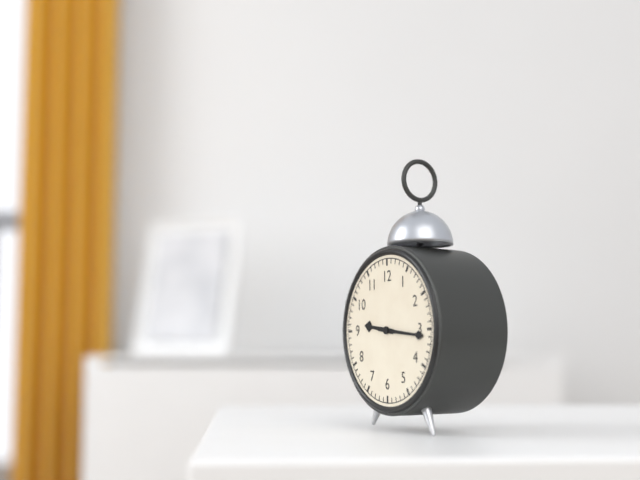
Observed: 9.16
